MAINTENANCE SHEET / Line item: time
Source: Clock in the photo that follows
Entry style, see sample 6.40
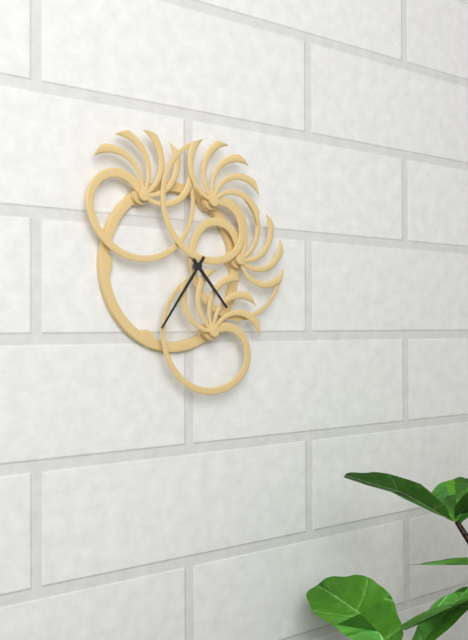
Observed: 4.36
